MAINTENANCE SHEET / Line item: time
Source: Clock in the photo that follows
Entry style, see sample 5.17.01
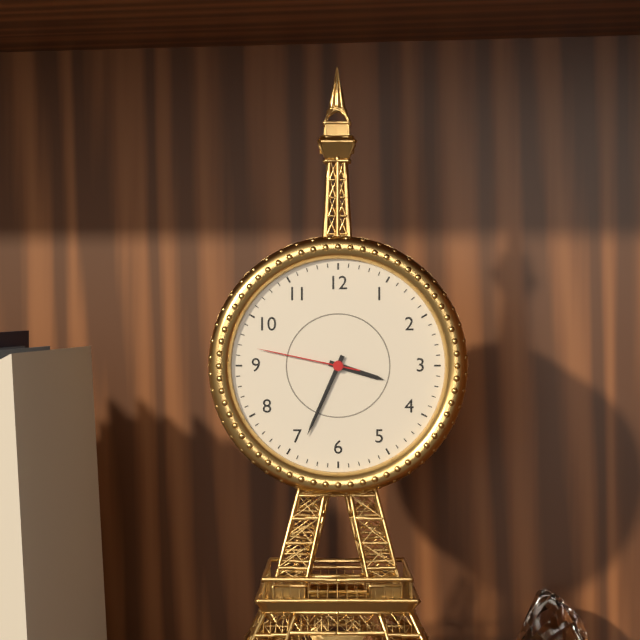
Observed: 3.34.47
